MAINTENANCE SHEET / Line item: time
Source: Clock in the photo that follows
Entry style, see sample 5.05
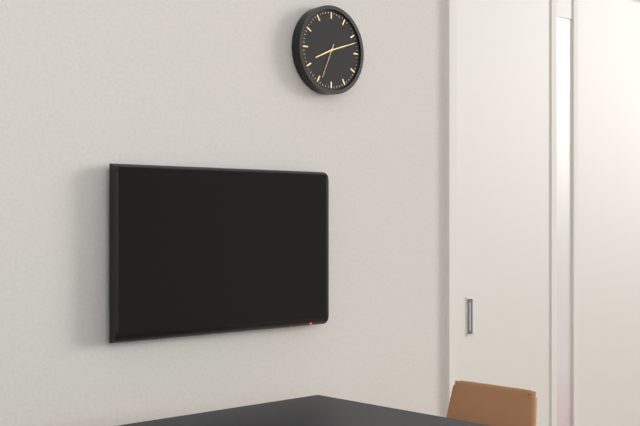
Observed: 8.12
